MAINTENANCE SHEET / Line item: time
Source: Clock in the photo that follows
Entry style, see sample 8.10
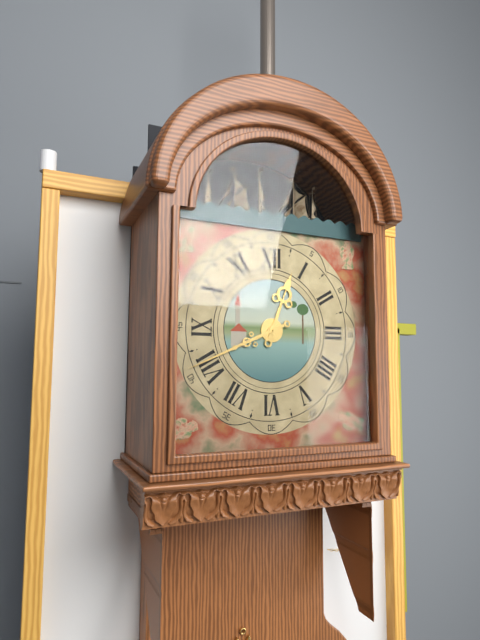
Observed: 12.41
